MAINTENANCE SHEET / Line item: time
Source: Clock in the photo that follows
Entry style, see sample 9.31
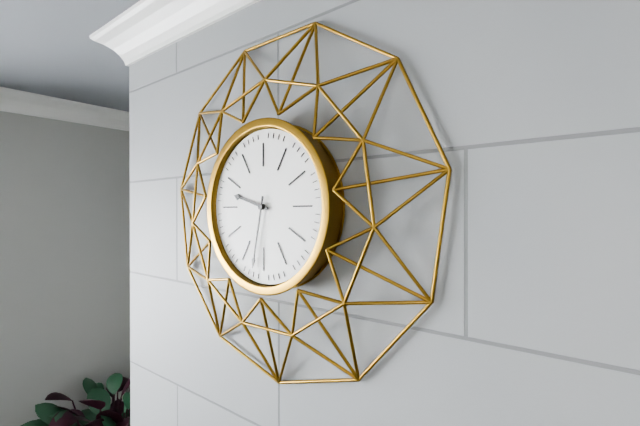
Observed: 9.32
